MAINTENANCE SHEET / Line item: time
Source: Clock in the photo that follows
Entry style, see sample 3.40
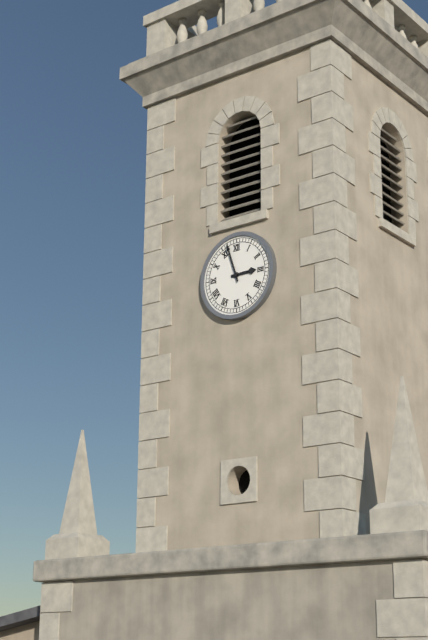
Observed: 2.57
